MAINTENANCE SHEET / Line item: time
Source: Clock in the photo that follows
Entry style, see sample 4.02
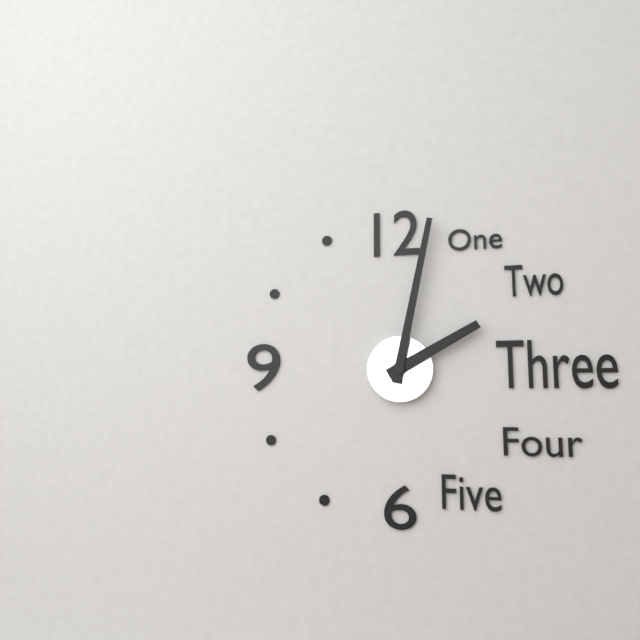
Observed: 2.02
